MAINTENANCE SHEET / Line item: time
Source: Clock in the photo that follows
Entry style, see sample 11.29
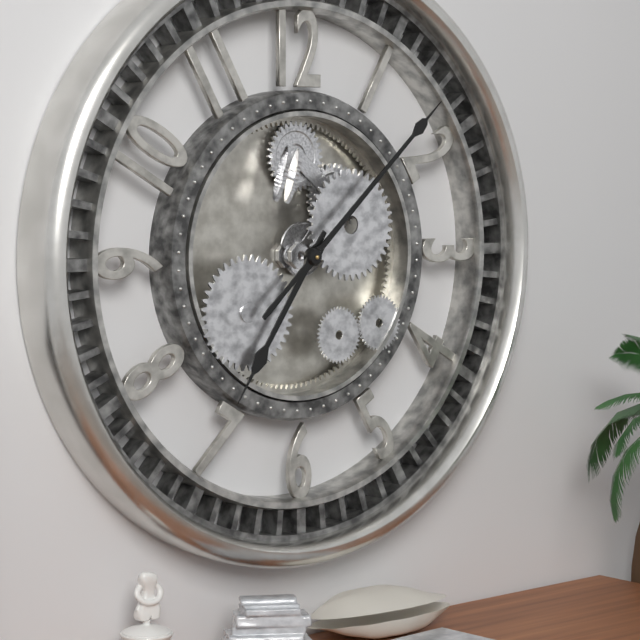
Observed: 7.08
